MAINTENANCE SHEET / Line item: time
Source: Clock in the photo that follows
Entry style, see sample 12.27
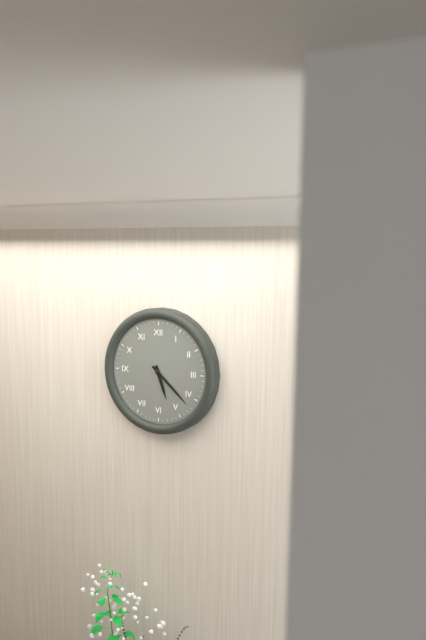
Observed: 5.22
